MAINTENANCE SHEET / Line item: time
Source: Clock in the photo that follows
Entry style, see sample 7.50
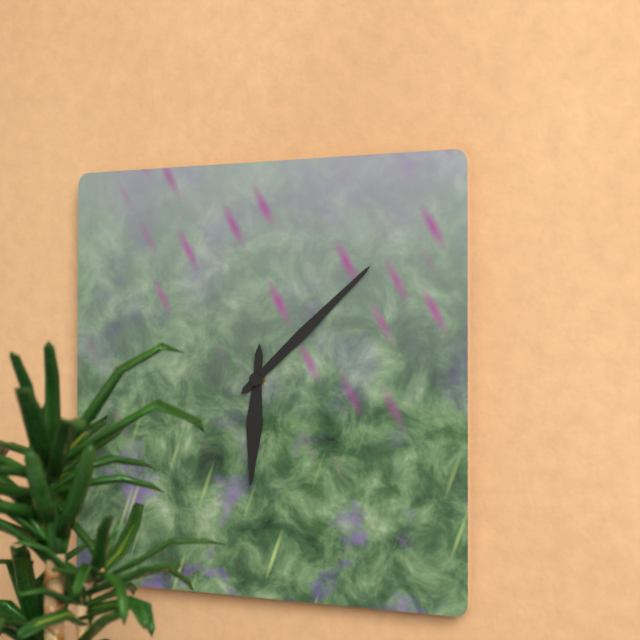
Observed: 6.08
